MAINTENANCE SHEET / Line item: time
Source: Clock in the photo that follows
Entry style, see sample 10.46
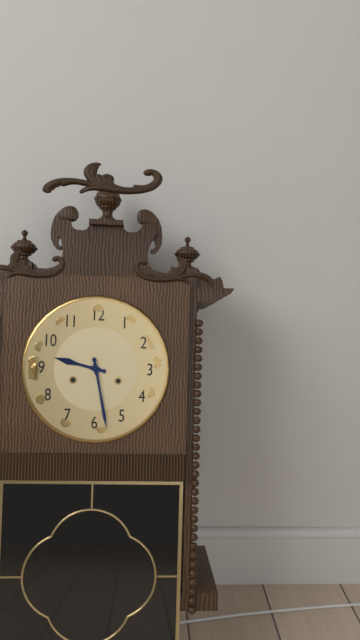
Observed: 9.28
